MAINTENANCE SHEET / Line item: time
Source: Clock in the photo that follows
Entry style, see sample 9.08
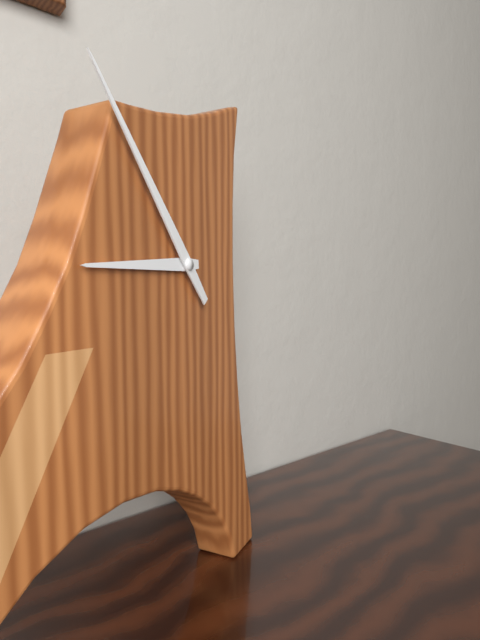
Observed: 8.53
